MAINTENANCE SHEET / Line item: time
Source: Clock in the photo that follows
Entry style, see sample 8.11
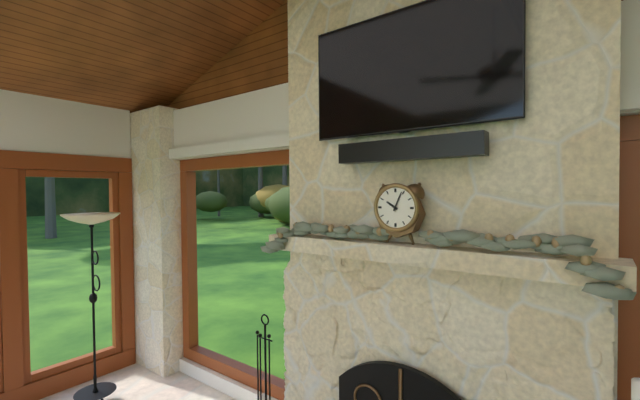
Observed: 10.04
